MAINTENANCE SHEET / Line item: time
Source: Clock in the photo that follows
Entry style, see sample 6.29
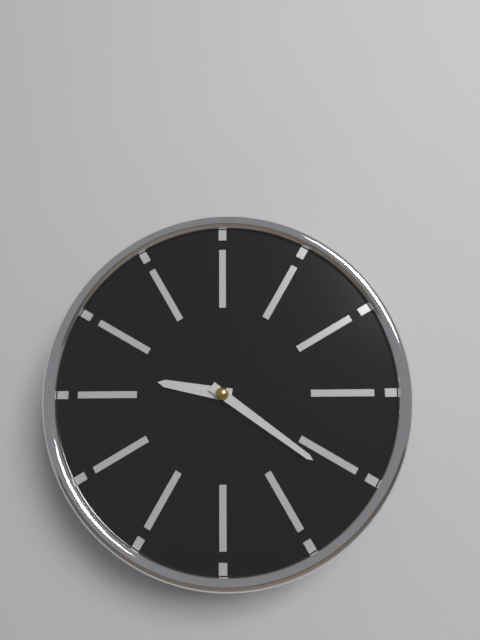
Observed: 9.21
